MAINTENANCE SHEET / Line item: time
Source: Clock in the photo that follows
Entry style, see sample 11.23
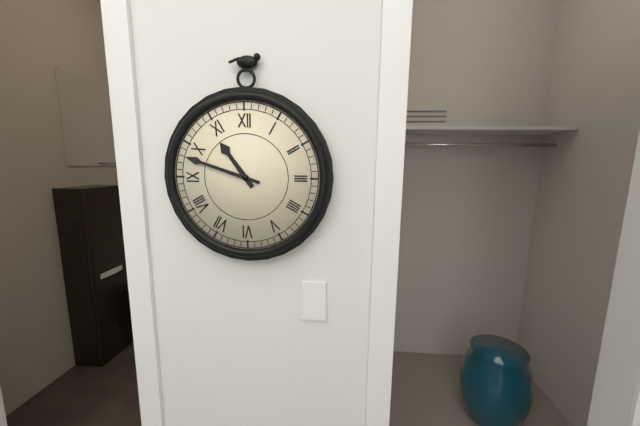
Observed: 10.48
